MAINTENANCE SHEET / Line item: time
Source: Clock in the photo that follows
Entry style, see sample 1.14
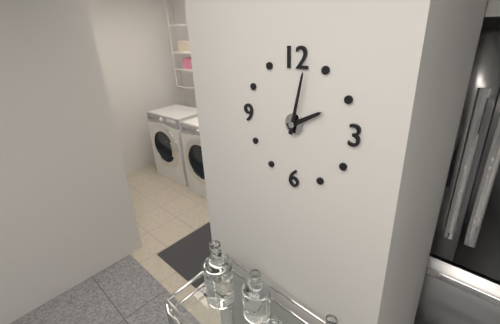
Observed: 2.02
